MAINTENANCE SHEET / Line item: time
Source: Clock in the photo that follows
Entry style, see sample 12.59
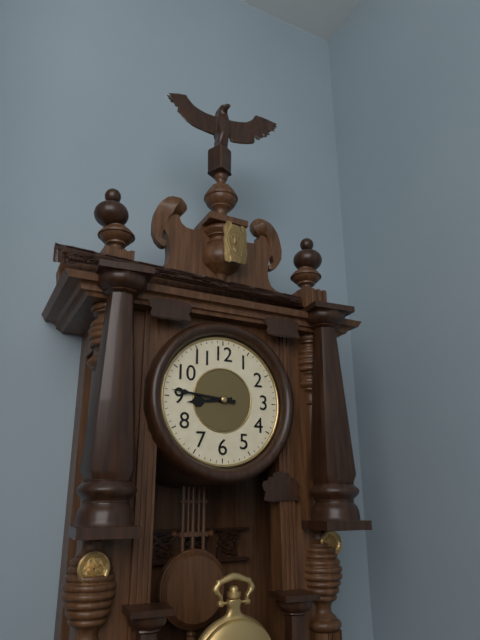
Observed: 8.46
